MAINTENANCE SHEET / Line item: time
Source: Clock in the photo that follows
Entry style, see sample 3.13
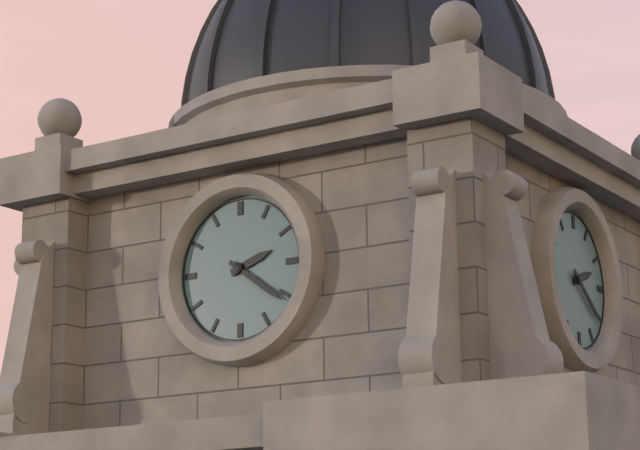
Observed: 2.21
